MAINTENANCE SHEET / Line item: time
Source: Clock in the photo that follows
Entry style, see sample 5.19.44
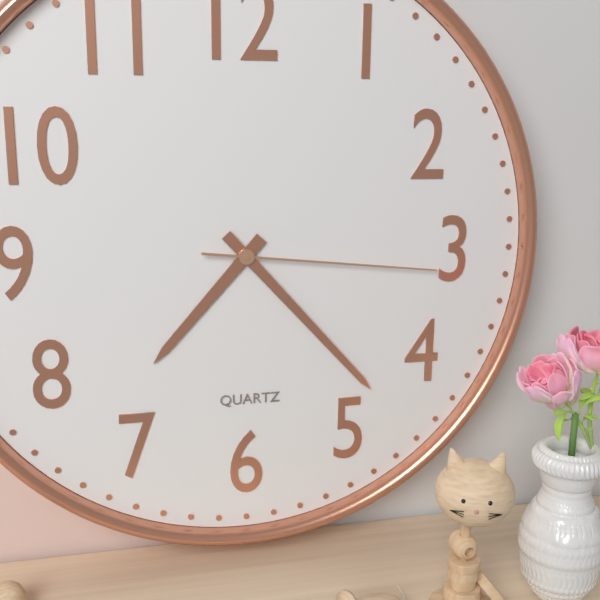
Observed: 7.23.16
